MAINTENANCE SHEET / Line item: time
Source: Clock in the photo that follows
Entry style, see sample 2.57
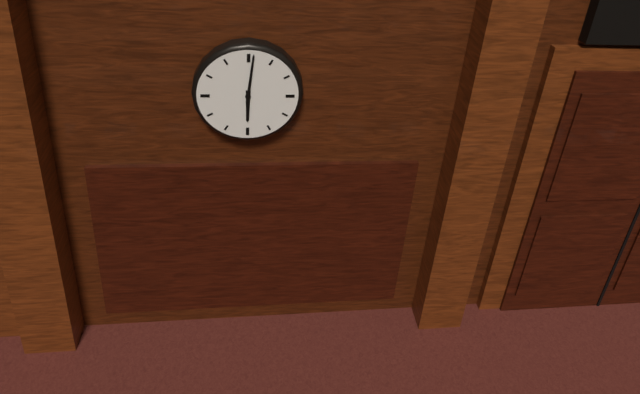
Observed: 6.01
